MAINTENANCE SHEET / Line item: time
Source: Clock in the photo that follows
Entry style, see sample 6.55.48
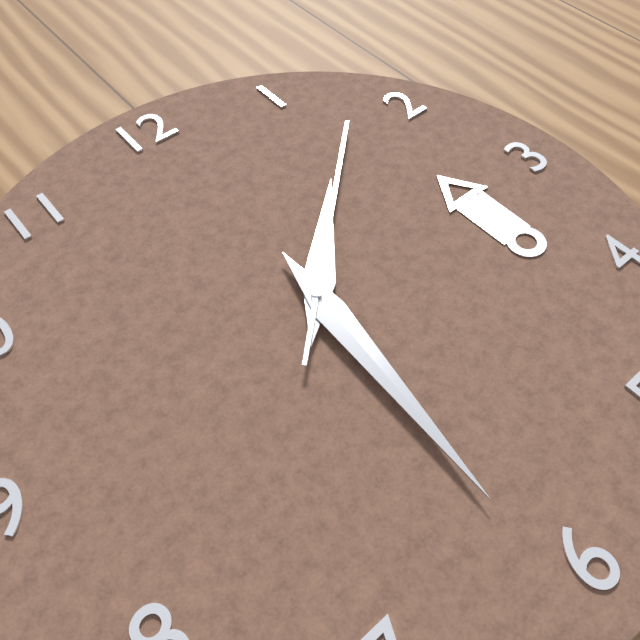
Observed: 1.31.08
